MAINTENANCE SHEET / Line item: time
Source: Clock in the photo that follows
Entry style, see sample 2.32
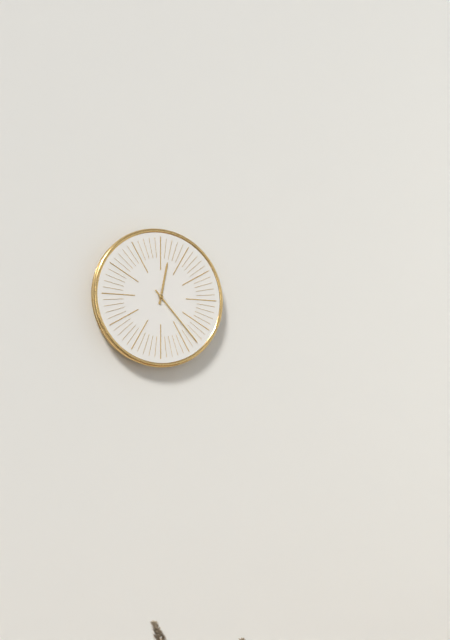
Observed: 12.23
